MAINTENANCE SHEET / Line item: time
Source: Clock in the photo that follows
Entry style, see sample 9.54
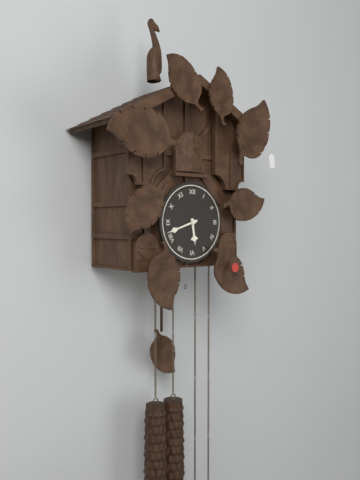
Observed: 5.42
